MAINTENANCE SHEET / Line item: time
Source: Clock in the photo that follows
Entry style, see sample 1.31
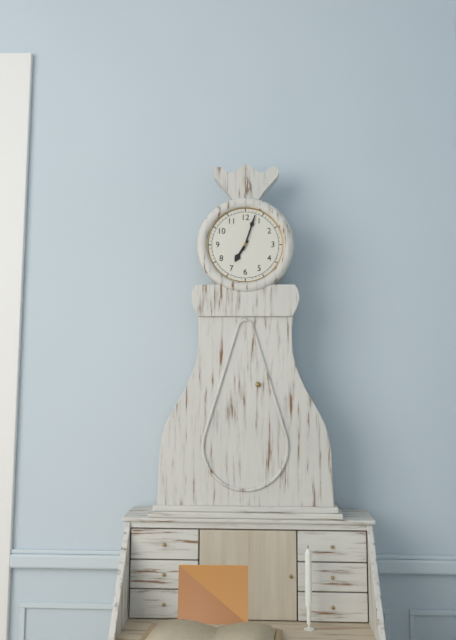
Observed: 7.03
